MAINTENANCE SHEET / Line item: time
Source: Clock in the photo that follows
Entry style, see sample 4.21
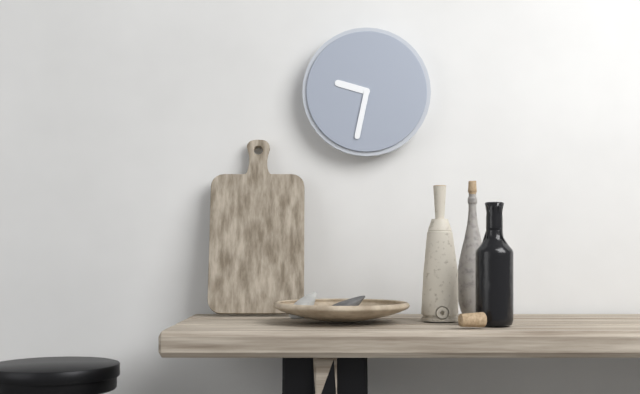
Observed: 9.32
